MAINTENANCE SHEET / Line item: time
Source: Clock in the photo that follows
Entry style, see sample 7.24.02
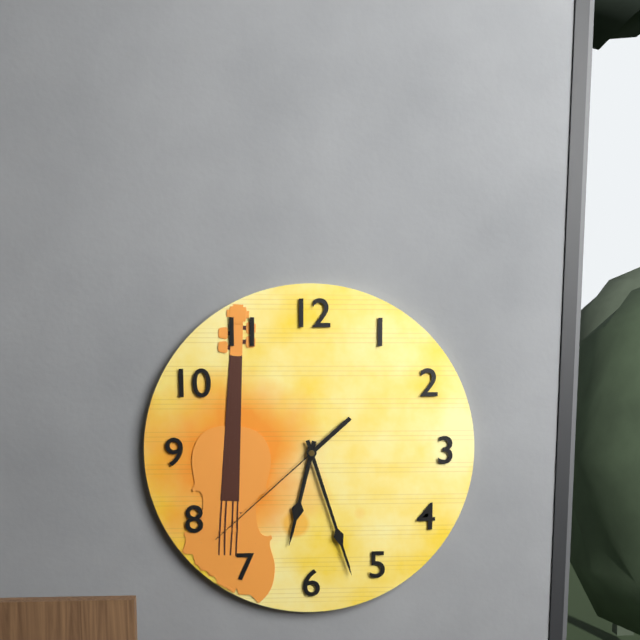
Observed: 6.27.38
